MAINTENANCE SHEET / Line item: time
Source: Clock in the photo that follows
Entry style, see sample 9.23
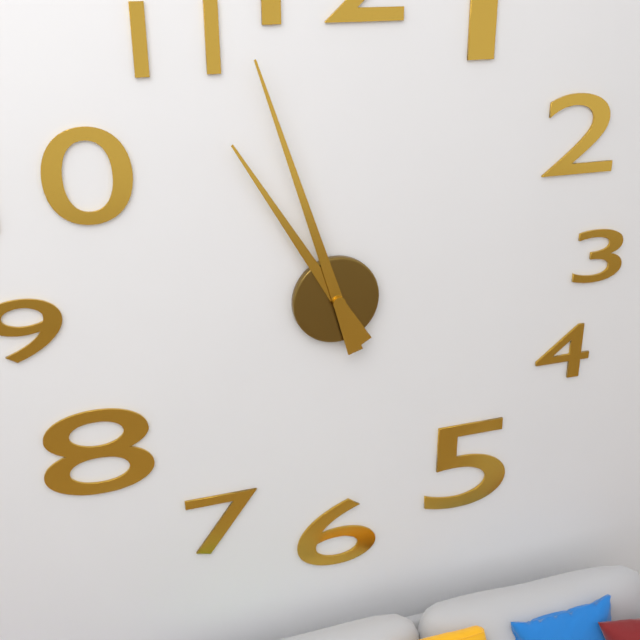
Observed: 10.57
